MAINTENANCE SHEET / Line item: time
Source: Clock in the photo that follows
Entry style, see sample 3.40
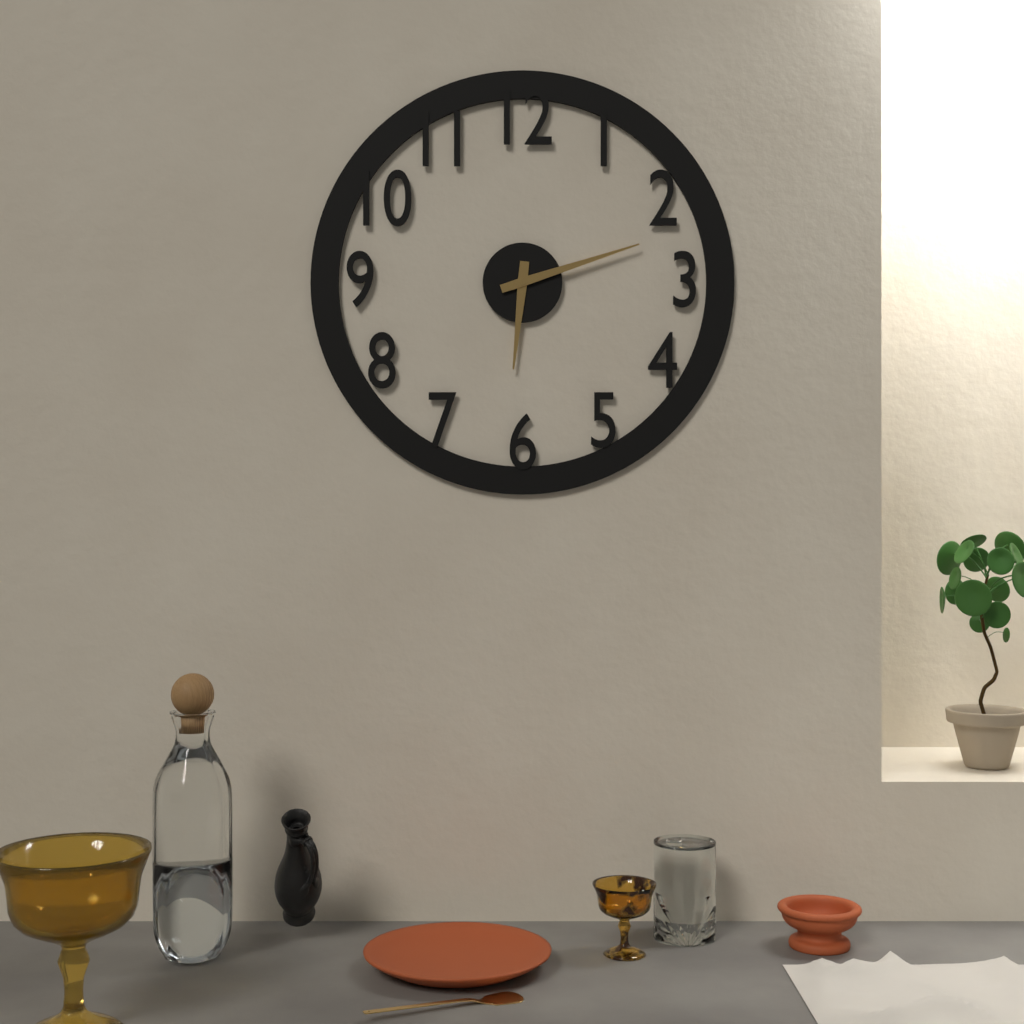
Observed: 6.12
